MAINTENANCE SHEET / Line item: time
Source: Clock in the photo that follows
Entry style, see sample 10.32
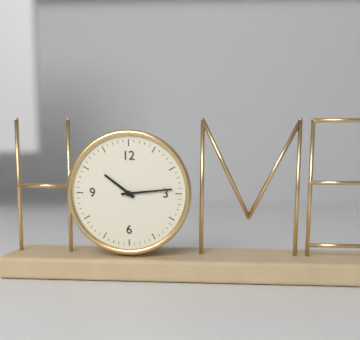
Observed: 10.14
